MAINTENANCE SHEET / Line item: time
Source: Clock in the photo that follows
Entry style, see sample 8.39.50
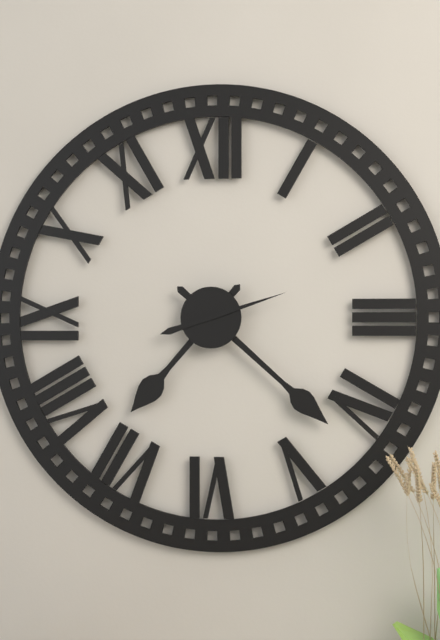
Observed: 7.22.12
